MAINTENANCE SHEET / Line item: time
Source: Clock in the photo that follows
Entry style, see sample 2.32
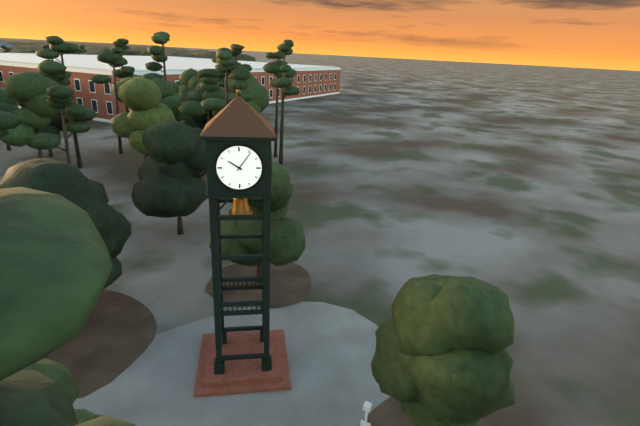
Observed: 10.06
